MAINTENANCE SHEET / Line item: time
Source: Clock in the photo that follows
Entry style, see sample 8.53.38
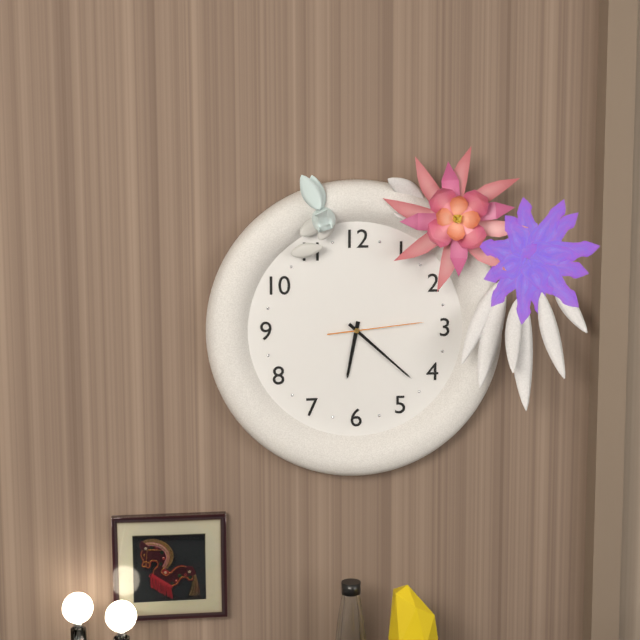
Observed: 6.22.14
